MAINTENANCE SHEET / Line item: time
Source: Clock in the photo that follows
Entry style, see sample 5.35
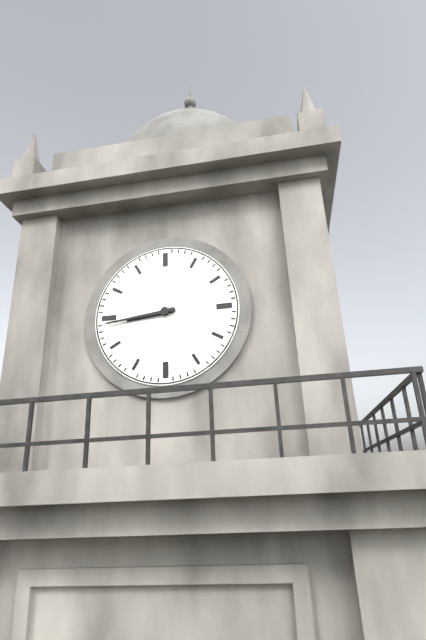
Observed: 8.44
